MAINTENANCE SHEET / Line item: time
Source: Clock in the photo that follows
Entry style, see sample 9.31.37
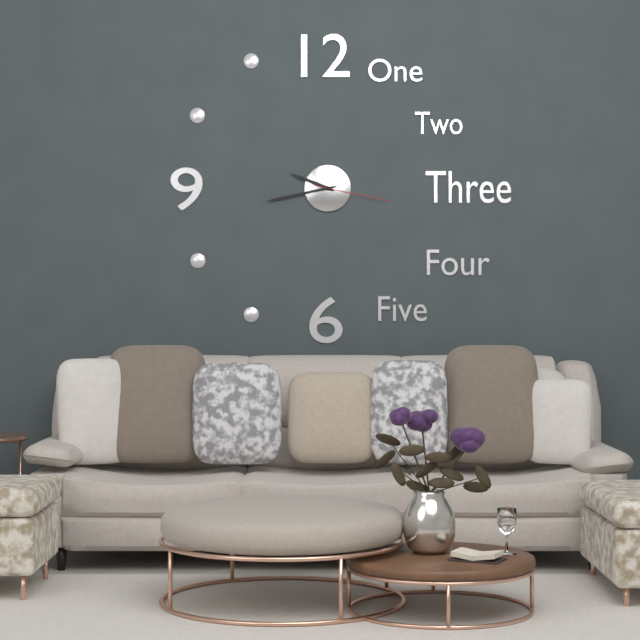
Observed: 9.43.17
